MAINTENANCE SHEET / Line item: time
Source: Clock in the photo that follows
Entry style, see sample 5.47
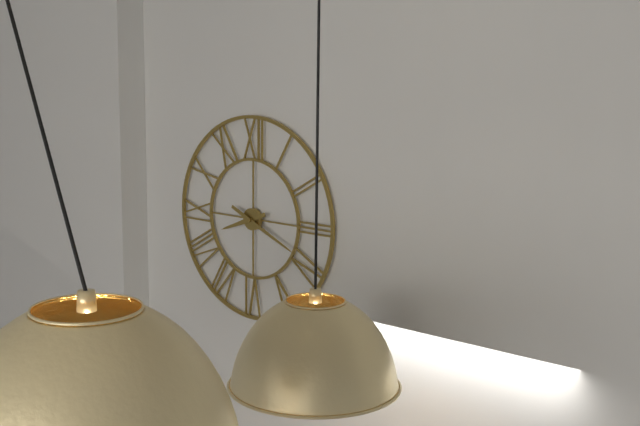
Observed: 8.19
